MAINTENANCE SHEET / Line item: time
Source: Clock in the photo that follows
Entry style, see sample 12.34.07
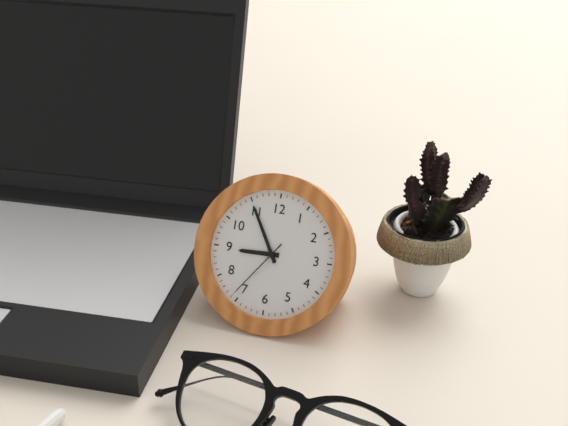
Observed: 8.55.36
